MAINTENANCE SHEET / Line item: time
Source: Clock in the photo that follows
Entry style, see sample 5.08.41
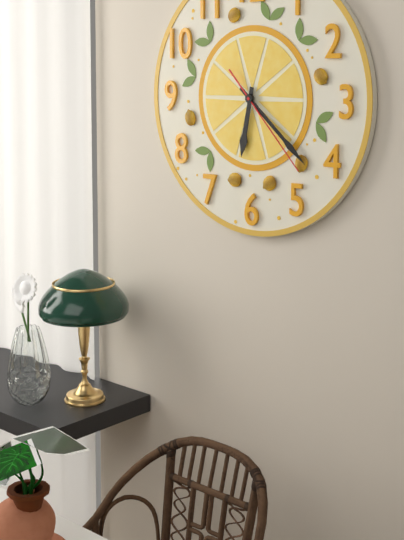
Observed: 6.22.23
